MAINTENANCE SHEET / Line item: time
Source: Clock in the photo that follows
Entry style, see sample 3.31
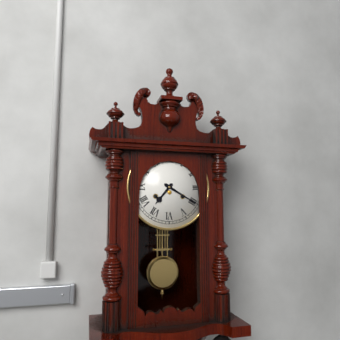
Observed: 7.20
